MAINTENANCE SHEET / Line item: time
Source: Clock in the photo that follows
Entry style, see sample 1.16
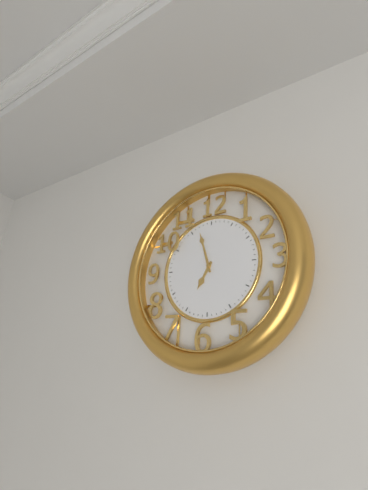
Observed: 6.57
